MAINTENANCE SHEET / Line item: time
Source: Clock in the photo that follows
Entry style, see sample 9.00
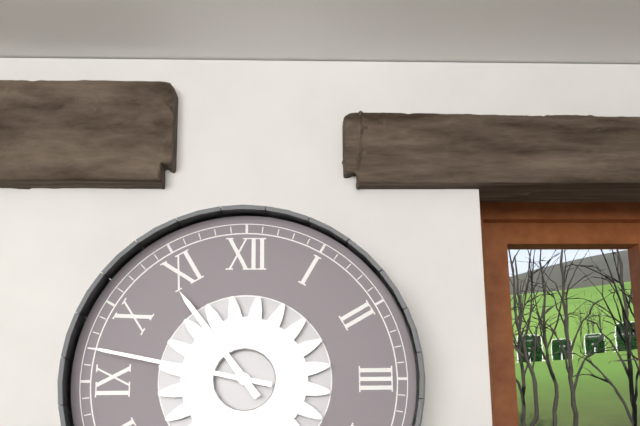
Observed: 10.47
